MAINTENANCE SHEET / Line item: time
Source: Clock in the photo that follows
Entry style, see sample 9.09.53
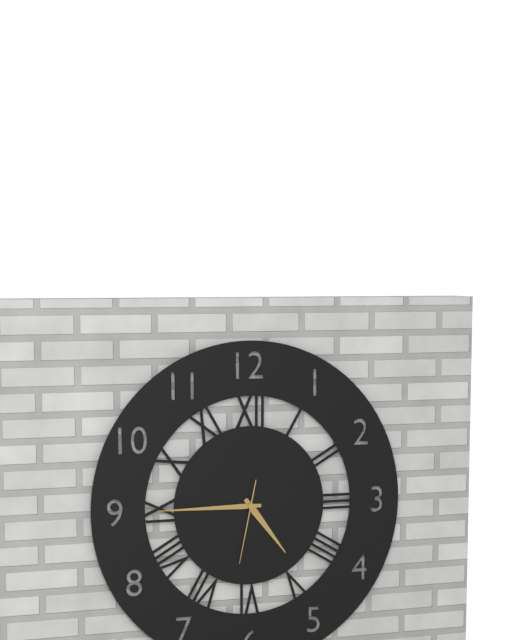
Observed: 4.45.32
